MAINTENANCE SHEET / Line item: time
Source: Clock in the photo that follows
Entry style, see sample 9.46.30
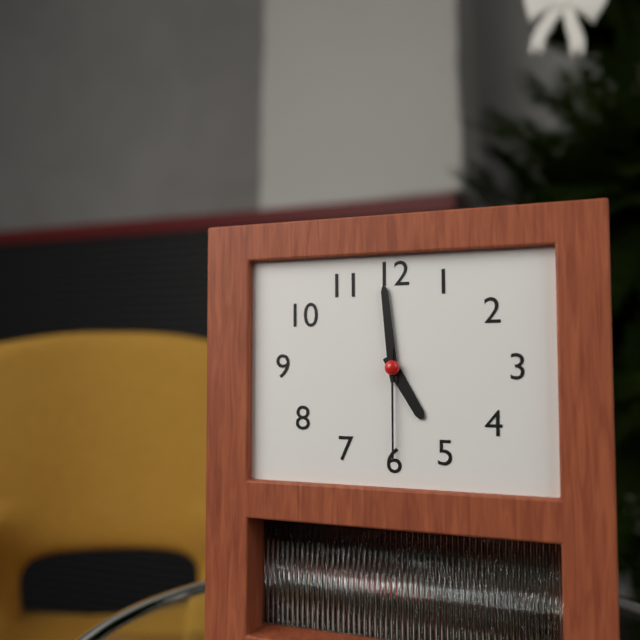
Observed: 4.59.30
